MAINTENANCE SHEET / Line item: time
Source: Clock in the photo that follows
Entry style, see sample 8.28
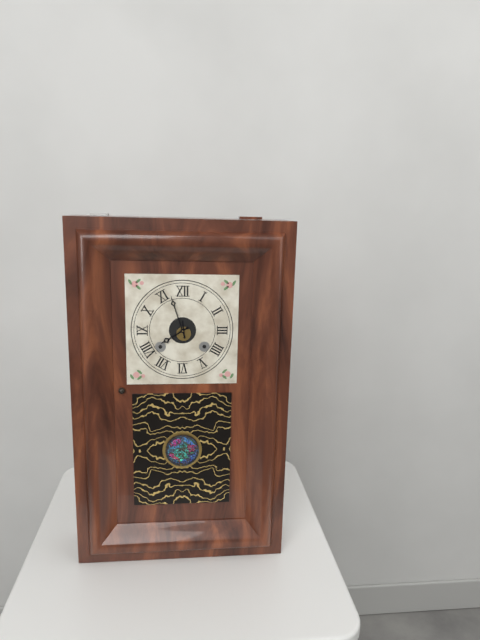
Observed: 7.57
